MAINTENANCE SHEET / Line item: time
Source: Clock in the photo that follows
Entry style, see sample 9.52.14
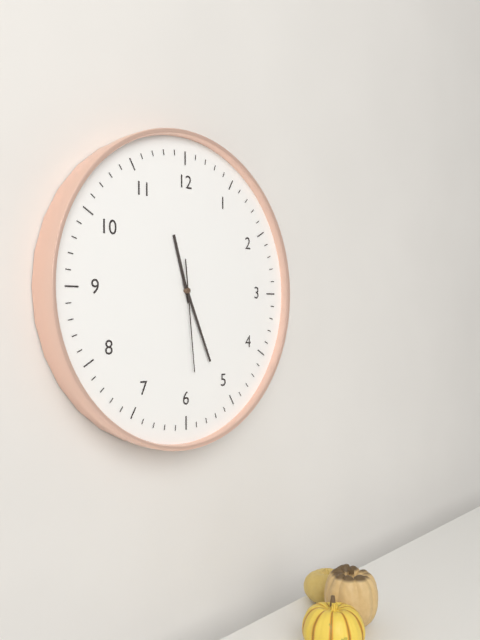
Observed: 11.26.29
